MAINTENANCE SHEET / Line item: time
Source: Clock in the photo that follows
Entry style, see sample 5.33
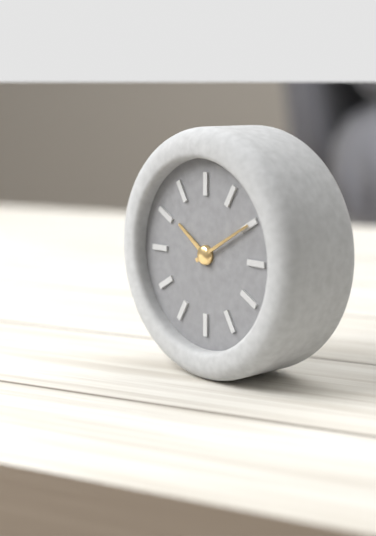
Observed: 10.10
